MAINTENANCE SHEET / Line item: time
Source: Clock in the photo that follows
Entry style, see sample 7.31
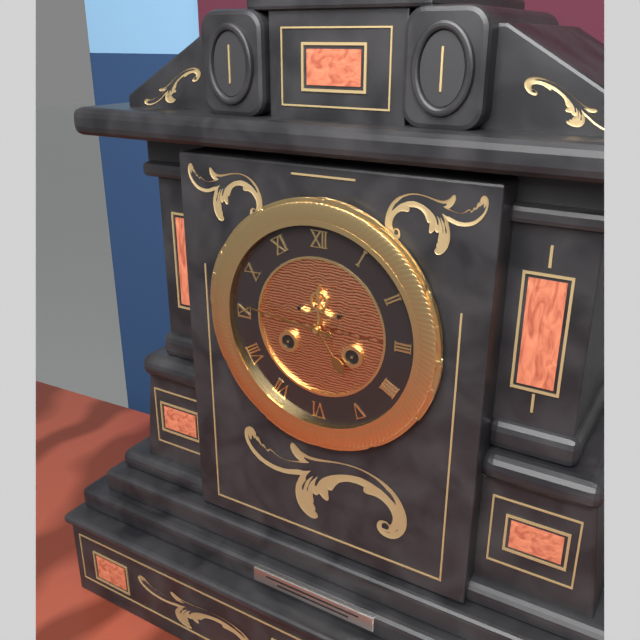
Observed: 4.46
